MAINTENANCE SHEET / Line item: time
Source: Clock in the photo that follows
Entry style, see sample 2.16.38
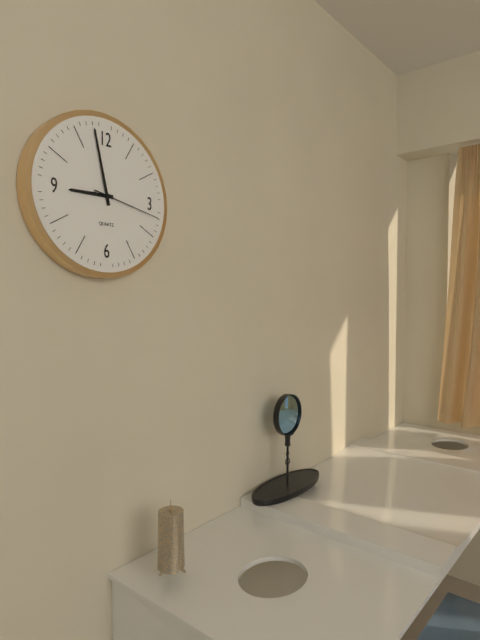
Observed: 8.58.17
